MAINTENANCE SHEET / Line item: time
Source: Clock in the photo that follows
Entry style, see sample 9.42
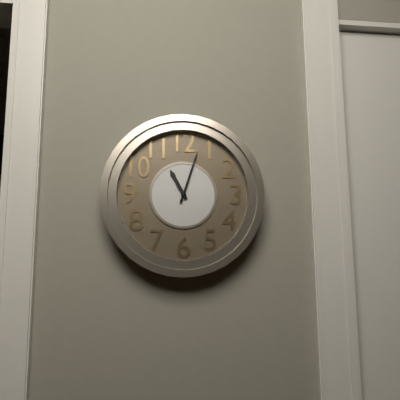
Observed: 11.03
